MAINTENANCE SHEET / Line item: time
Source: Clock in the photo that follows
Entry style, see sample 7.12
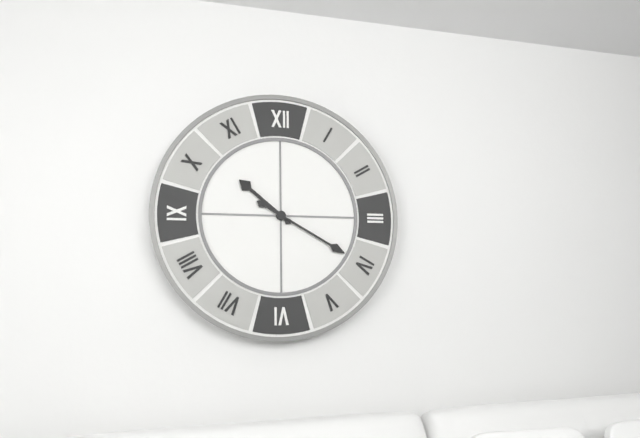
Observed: 10.20
